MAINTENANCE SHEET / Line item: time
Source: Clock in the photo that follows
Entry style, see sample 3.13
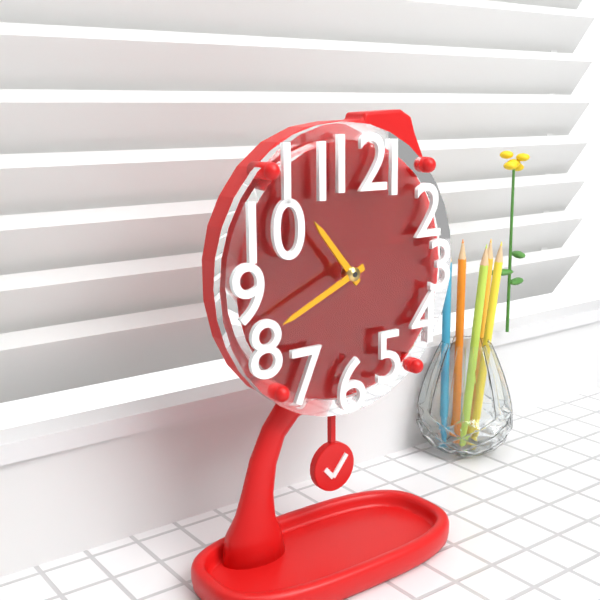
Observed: 10.41
